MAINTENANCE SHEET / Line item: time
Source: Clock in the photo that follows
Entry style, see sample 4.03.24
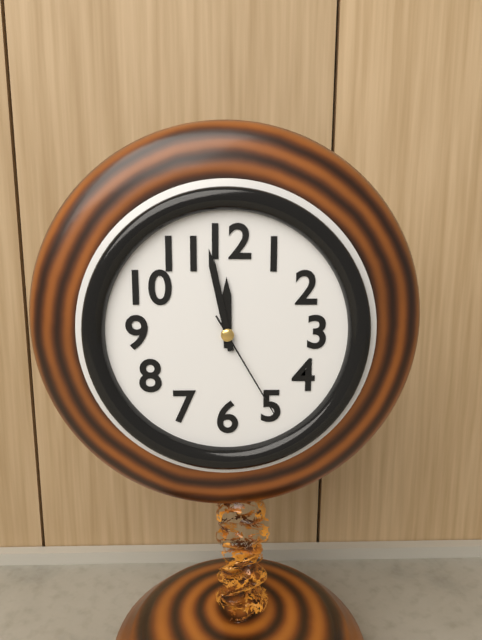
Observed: 11.58.25
